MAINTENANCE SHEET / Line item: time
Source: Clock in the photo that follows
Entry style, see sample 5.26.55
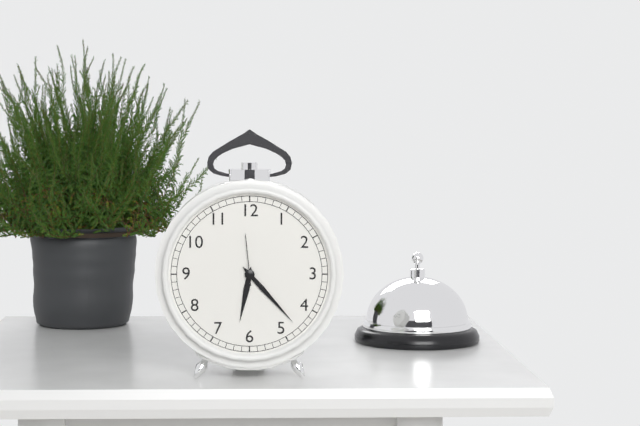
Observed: 6.23.59
